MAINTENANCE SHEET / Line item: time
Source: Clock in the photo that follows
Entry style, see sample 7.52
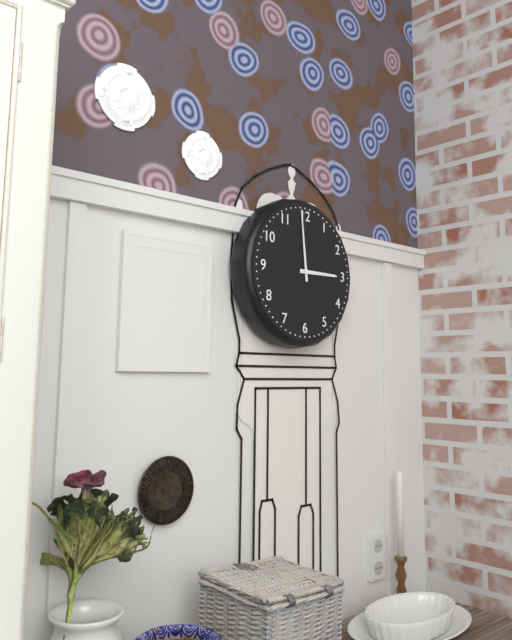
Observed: 2.59
